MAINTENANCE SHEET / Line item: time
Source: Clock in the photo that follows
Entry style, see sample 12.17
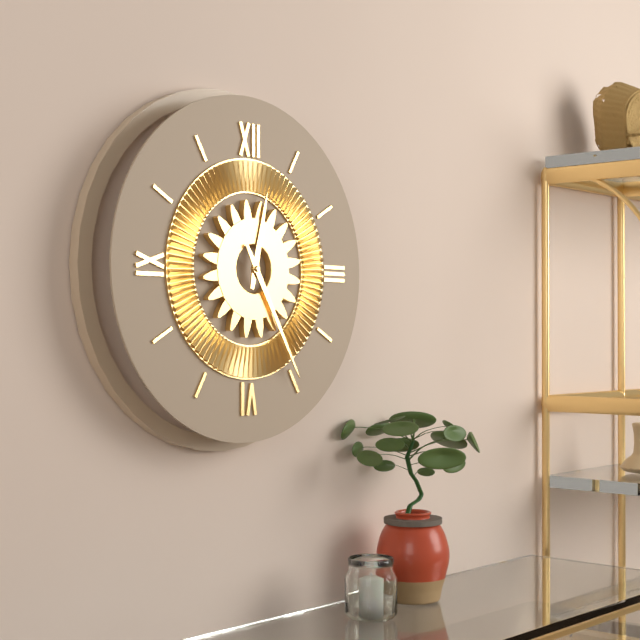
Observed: 12.25
